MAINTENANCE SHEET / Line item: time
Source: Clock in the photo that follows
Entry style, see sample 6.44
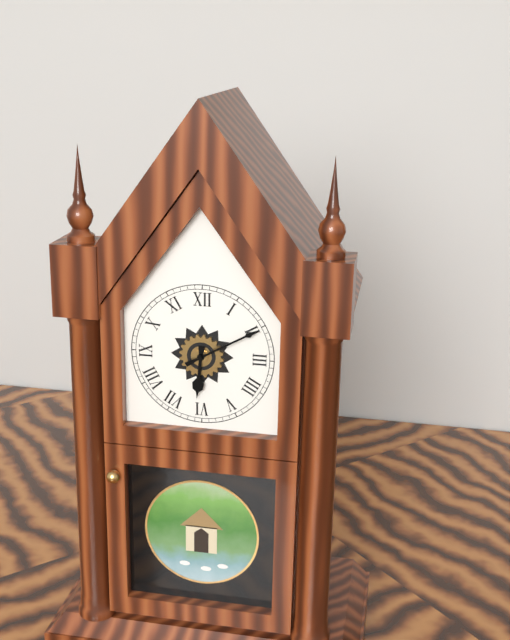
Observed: 6.10
